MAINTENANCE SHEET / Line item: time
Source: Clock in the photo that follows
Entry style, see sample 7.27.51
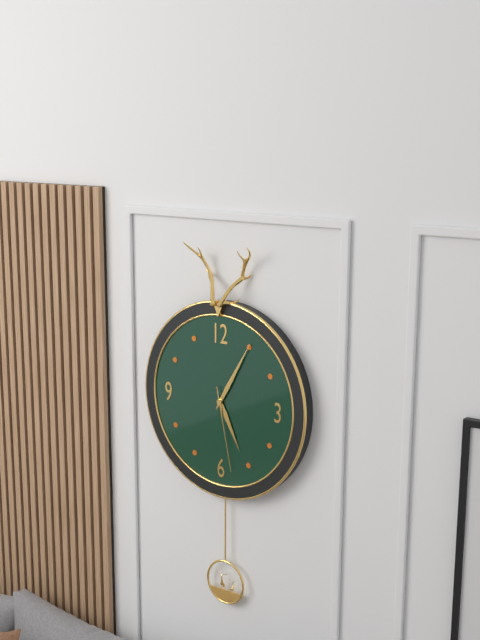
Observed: 5.05.28
